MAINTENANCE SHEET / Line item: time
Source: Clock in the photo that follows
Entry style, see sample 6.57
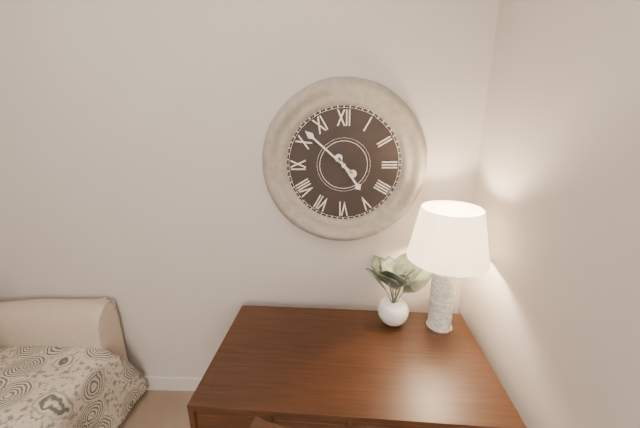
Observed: 4.52
